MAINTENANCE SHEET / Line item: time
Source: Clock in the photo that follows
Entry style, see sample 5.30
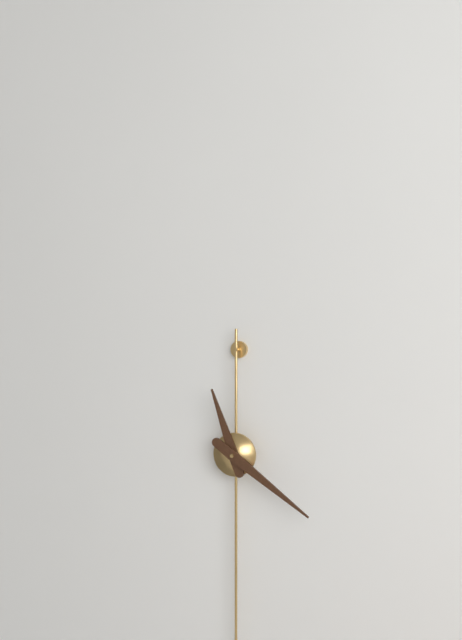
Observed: 11.21
